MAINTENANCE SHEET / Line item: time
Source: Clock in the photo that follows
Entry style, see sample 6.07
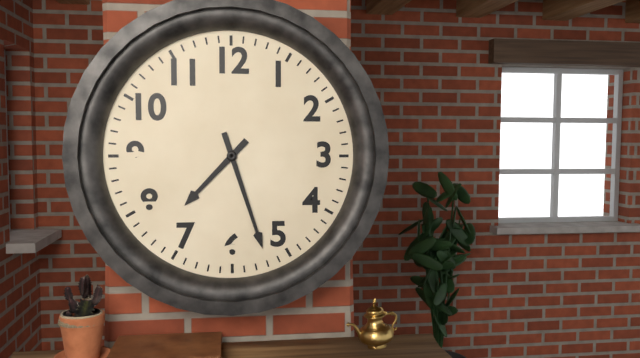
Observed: 7.27
